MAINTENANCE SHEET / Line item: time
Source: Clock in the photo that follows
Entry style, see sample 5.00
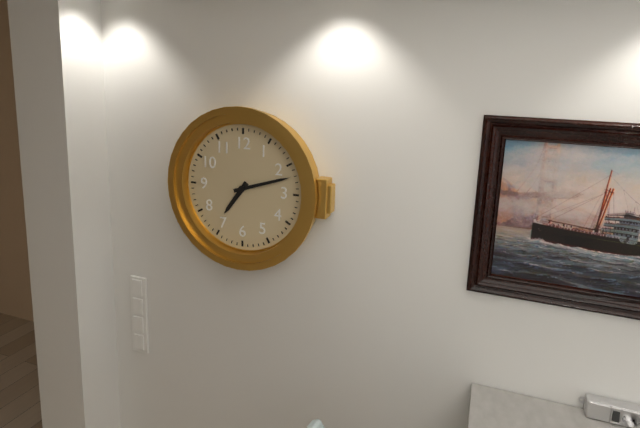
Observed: 7.12
